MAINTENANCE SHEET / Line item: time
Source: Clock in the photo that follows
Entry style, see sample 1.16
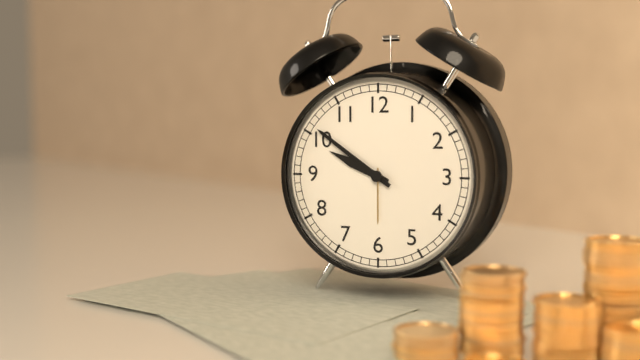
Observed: 9.51
